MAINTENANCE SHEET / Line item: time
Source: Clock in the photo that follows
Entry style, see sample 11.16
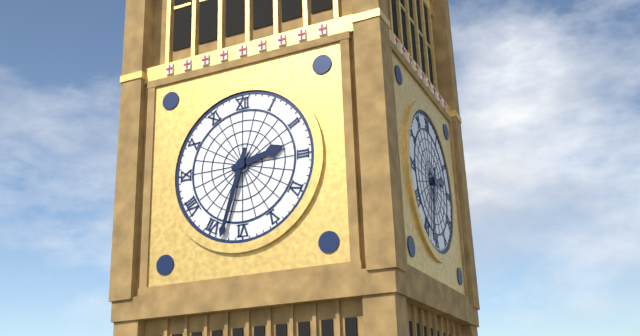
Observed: 2.33
